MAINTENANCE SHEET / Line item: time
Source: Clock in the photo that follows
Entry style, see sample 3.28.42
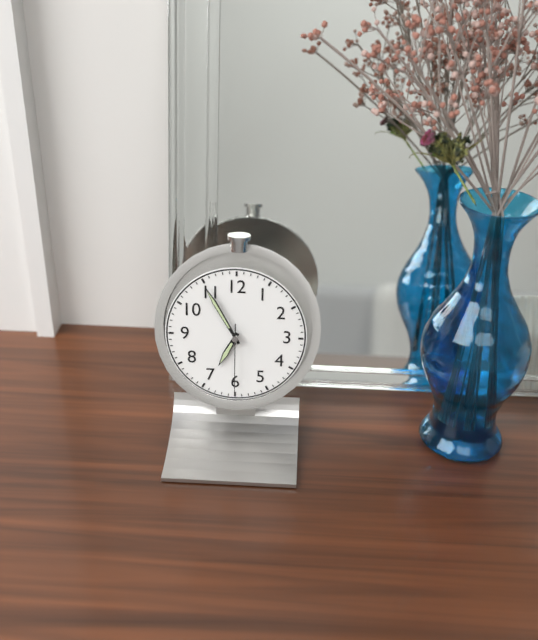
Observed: 6.55.30
